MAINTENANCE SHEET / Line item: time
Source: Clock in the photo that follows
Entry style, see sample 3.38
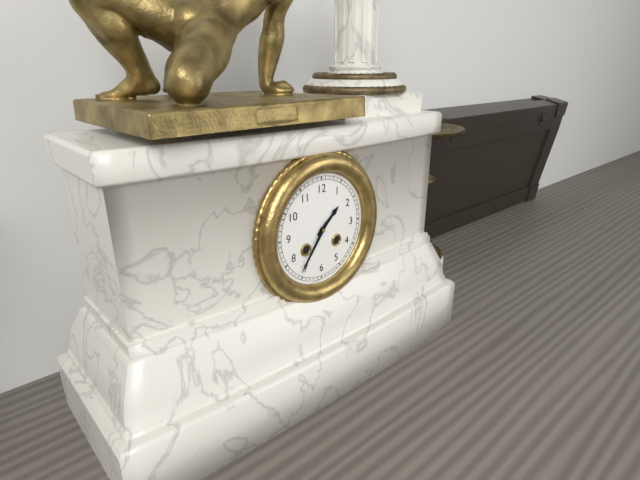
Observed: 1.36
